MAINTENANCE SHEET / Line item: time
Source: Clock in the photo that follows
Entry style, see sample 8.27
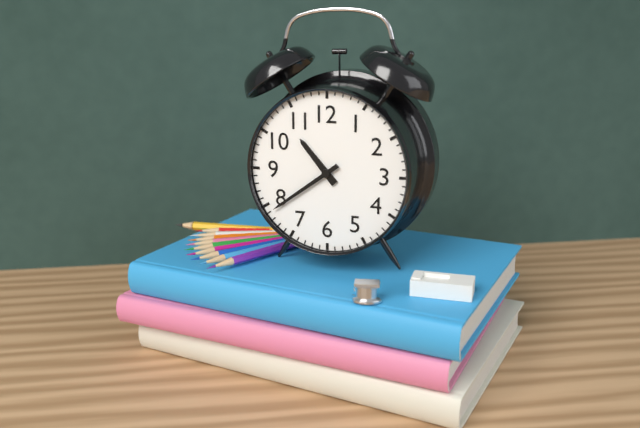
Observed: 10.39
